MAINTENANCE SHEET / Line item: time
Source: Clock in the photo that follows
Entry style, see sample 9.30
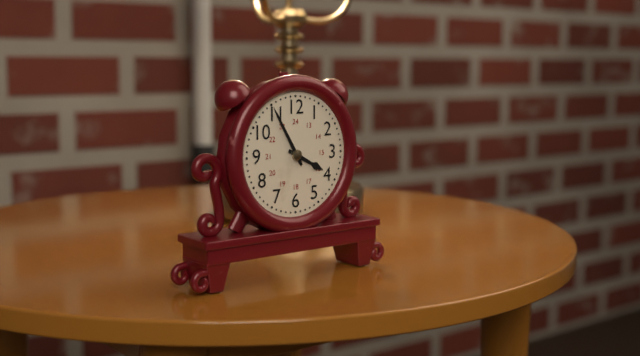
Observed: 3.55
